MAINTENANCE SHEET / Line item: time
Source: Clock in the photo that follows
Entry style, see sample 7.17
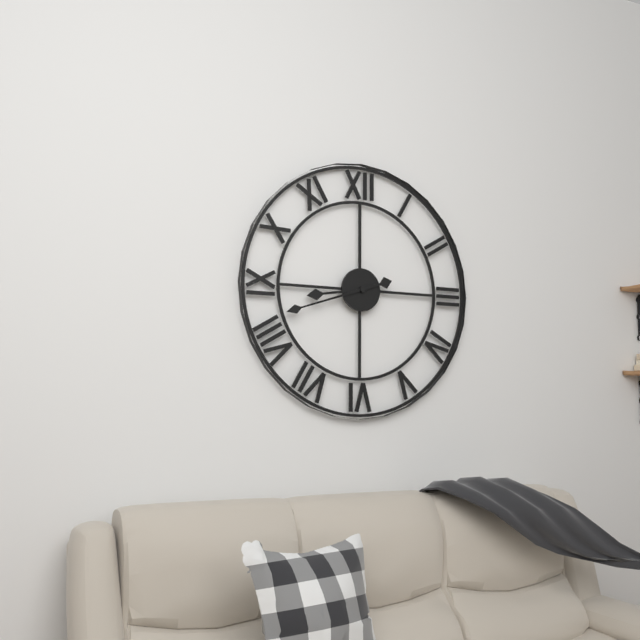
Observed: 8.42
